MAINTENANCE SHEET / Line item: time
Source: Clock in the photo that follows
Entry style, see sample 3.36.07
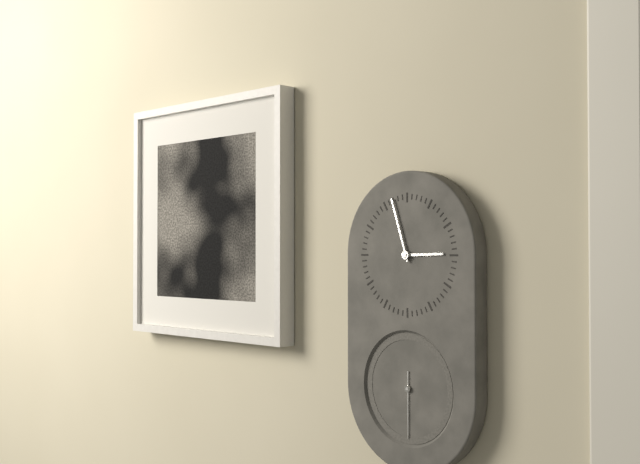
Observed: 2.57.30
